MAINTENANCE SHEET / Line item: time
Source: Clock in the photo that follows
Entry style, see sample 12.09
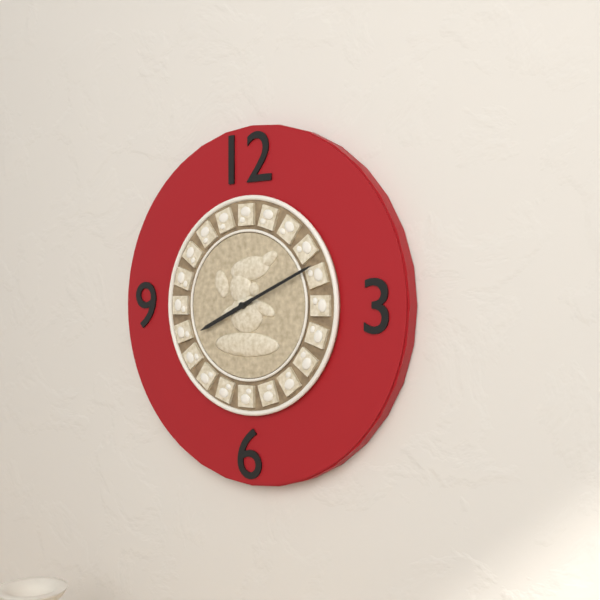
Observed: 8.11
